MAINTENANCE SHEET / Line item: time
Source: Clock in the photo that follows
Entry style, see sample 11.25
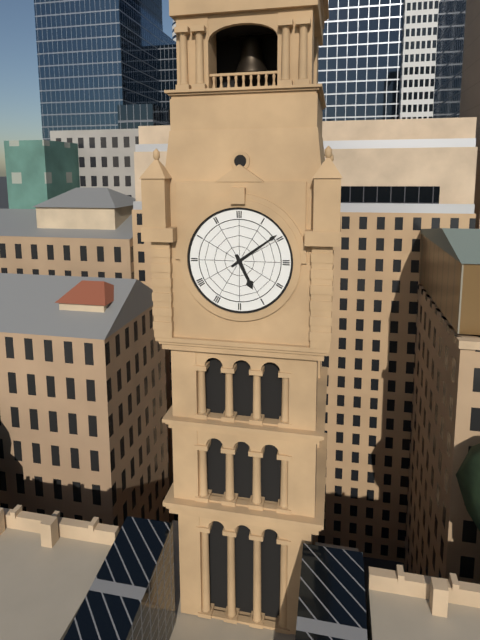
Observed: 5.09
